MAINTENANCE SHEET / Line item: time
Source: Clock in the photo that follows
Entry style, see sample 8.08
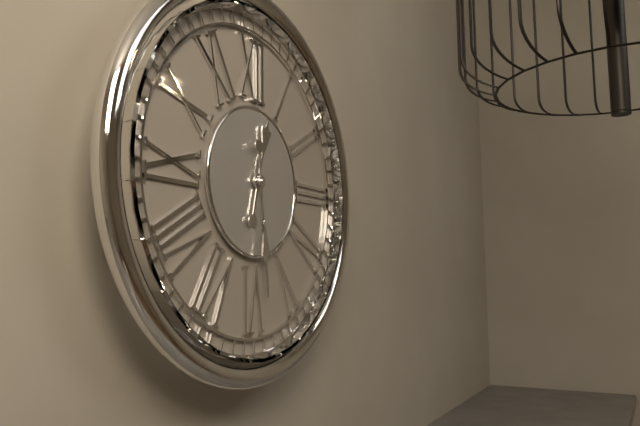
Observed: 12.29
